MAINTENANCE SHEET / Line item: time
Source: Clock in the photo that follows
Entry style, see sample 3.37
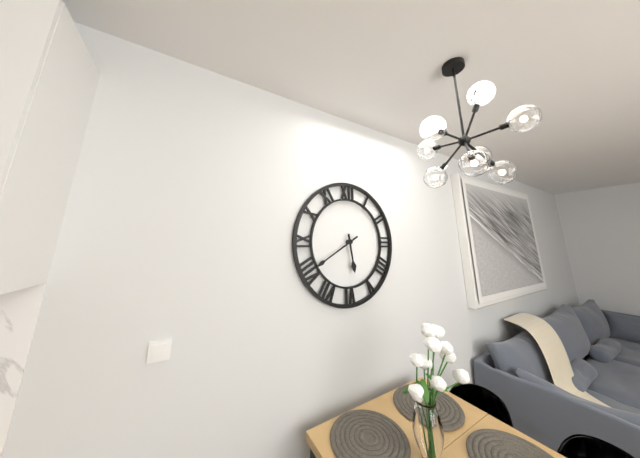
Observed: 5.40
